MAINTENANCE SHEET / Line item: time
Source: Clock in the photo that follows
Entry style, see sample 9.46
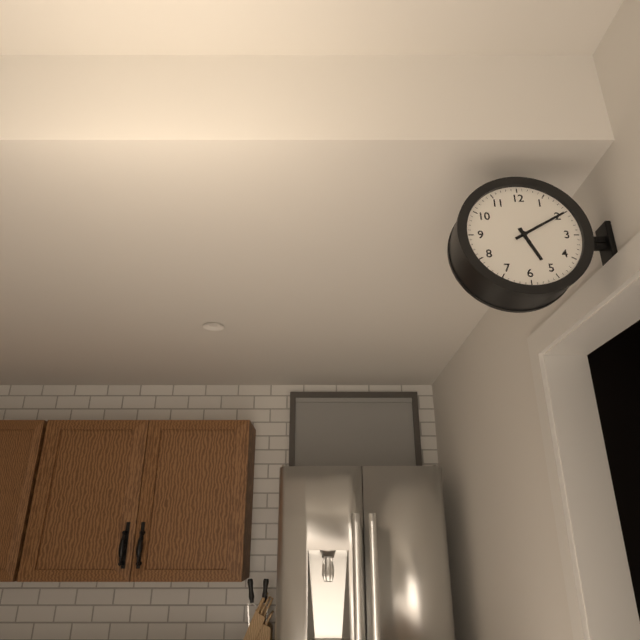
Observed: 5.10
